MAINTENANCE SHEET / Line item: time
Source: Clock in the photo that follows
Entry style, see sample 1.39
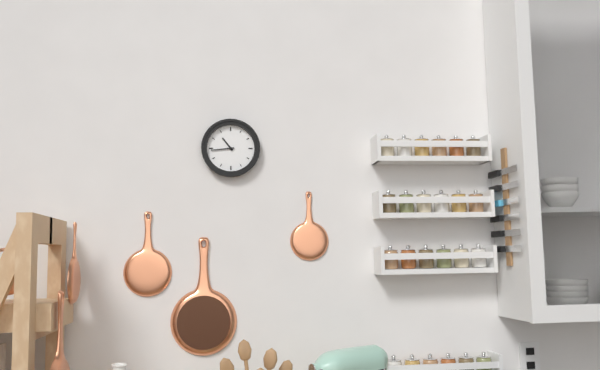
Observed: 10.44
